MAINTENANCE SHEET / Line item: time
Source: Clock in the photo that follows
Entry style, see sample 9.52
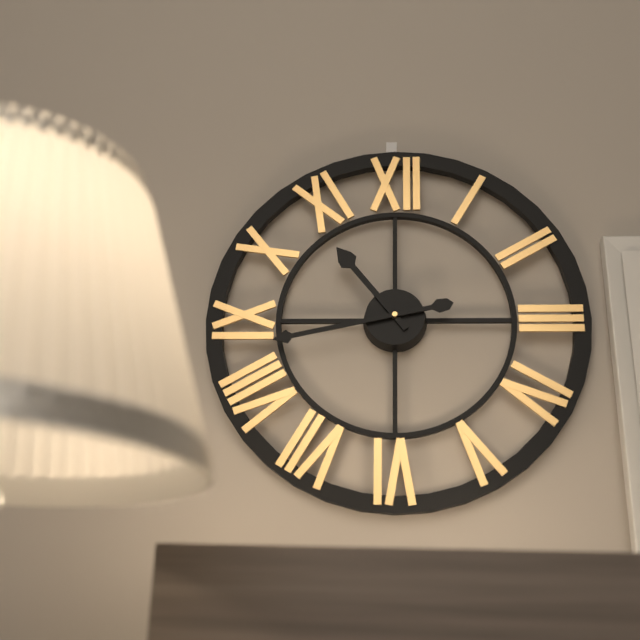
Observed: 10.43
